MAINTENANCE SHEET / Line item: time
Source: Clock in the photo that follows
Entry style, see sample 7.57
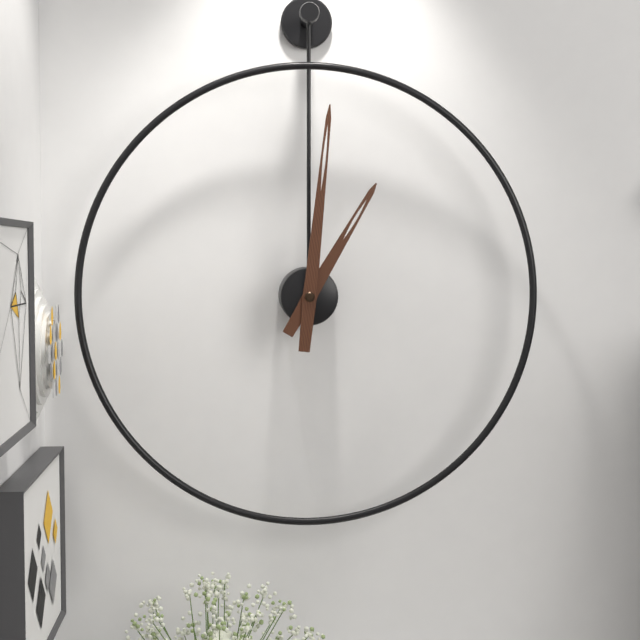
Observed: 1.01
